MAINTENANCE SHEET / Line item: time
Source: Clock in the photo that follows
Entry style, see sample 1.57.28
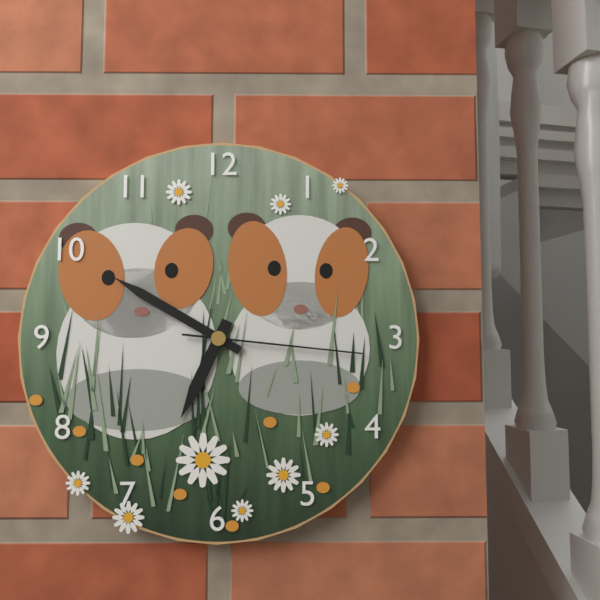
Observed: 6.50.16
